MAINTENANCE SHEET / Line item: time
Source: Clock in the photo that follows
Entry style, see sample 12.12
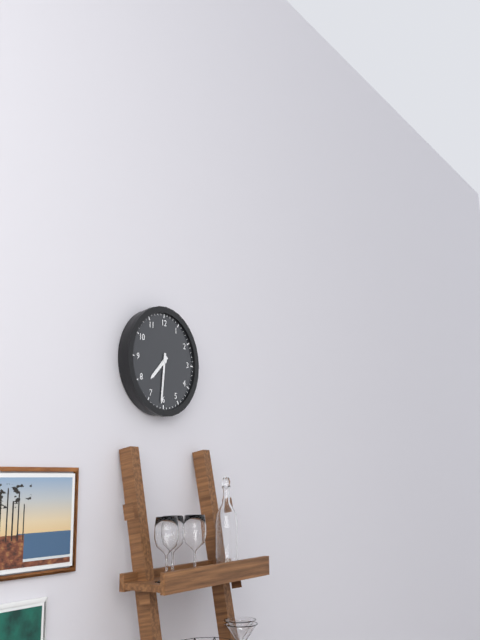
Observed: 7.31
